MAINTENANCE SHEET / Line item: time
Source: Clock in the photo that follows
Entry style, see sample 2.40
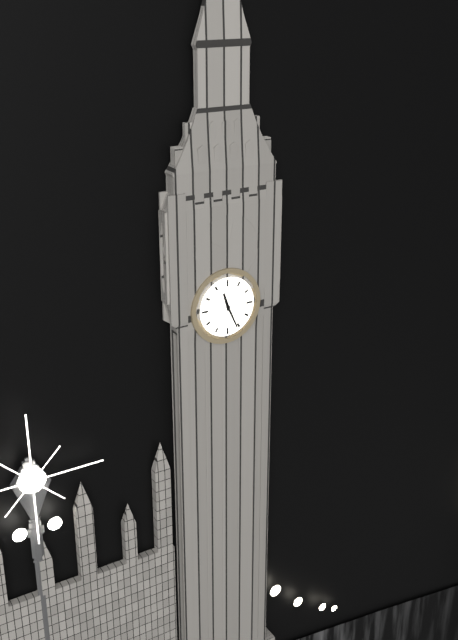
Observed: 11.26
